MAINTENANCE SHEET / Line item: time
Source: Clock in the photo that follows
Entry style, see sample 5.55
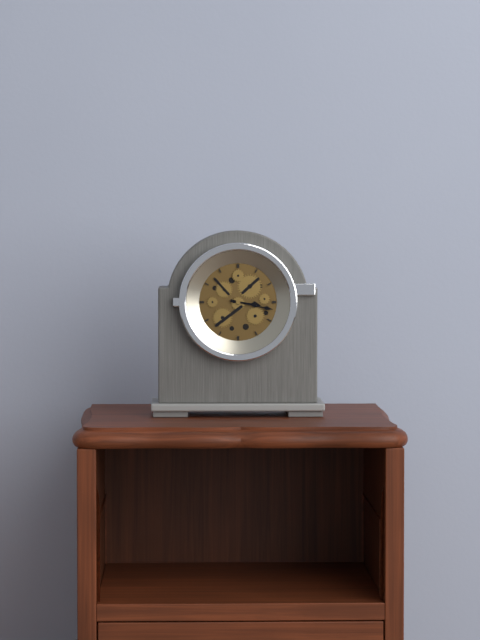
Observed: 3.17
